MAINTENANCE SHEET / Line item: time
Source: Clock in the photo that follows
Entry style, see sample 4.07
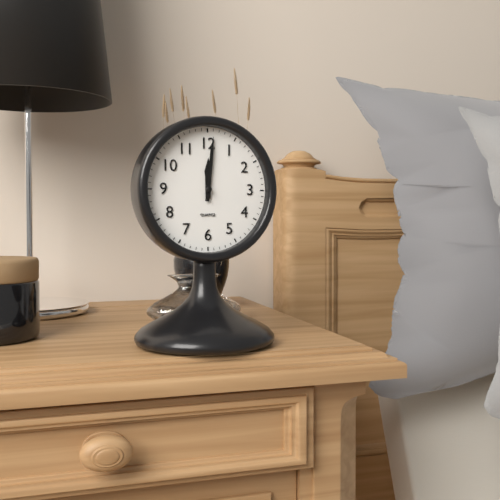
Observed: 12.01
